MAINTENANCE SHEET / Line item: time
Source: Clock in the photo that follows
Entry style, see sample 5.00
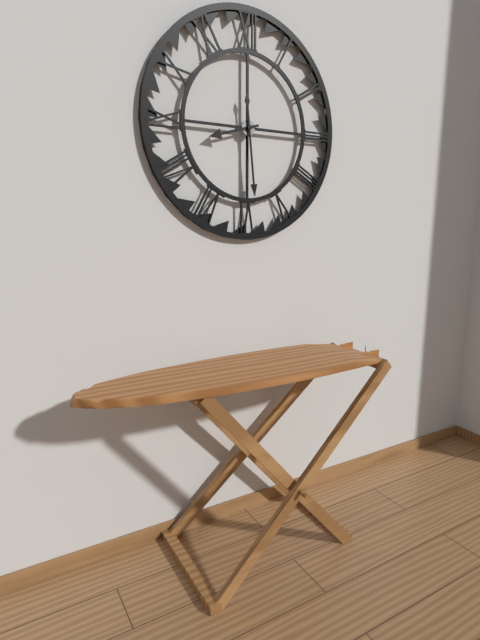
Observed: 8.29
